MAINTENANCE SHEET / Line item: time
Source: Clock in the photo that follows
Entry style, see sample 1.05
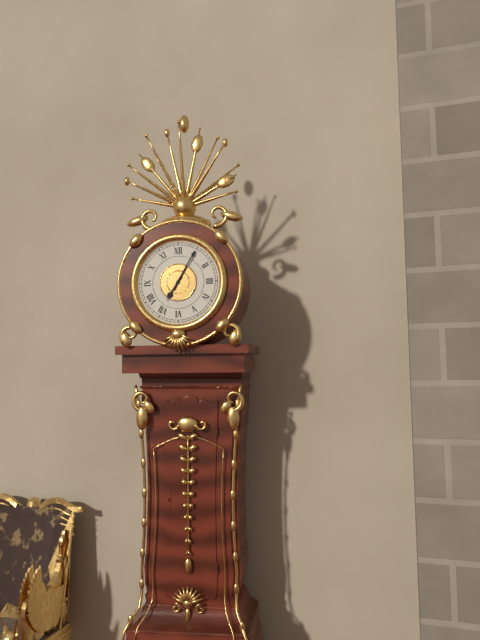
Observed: 7.05
